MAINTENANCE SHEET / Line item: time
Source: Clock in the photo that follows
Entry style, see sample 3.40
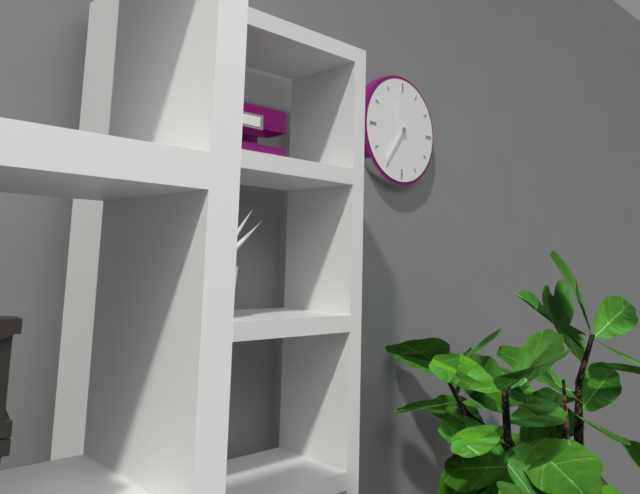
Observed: 11.36
